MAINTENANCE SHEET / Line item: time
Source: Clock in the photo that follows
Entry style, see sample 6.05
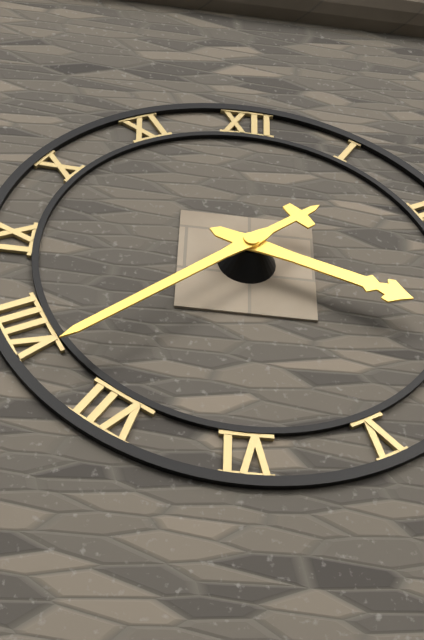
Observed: 3.38
